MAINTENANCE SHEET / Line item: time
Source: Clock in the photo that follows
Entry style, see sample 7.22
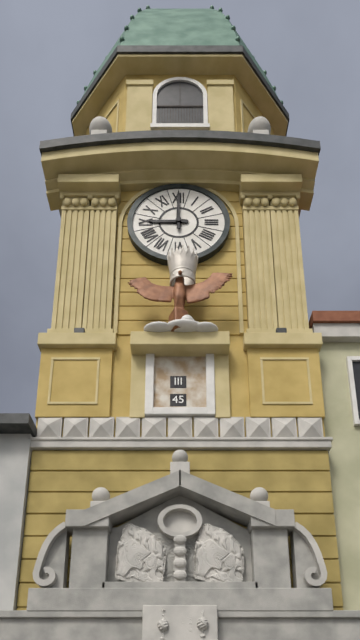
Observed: 9.00
